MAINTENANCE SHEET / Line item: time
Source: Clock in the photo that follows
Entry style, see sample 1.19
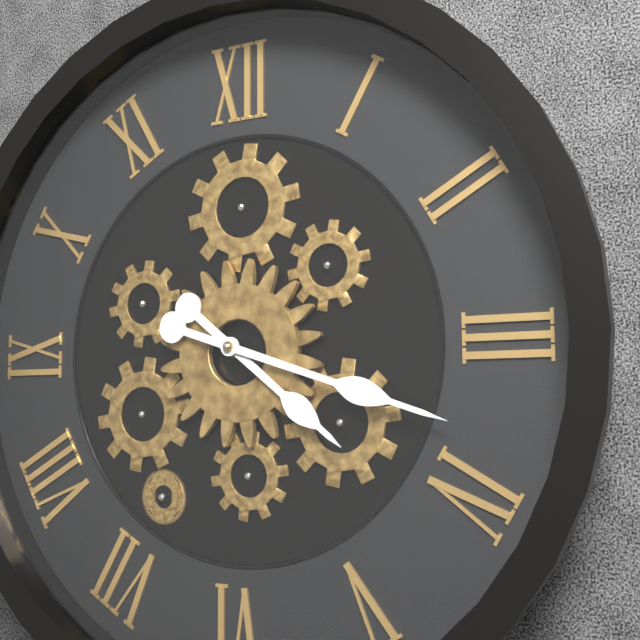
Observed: 4.18
